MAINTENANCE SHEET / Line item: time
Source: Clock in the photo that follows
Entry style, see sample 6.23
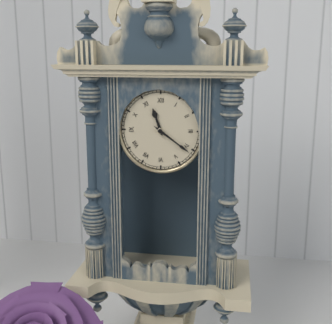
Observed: 11.21
